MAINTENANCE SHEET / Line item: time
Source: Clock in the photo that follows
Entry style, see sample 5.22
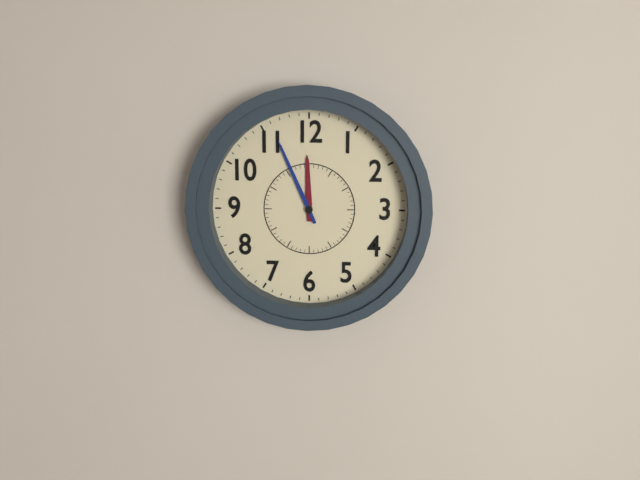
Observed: 11.56
